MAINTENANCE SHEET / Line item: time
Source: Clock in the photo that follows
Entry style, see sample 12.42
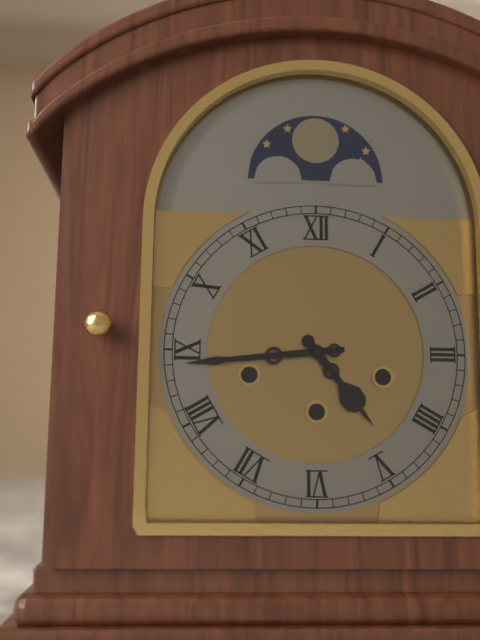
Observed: 4.44
